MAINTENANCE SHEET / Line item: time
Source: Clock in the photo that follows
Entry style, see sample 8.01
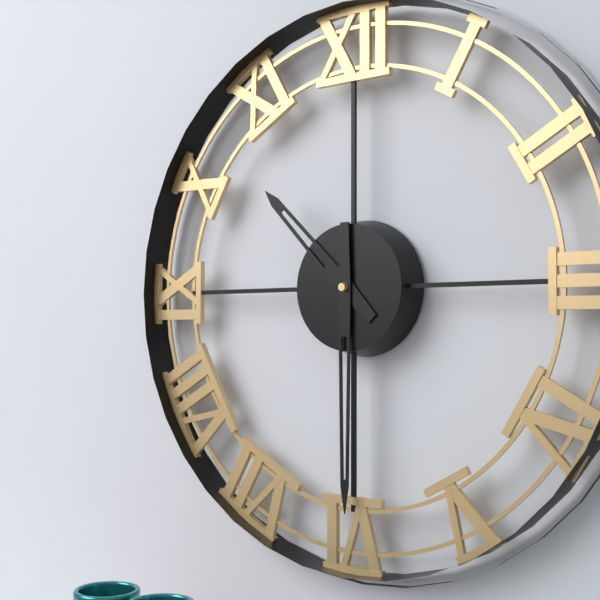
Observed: 10.30
